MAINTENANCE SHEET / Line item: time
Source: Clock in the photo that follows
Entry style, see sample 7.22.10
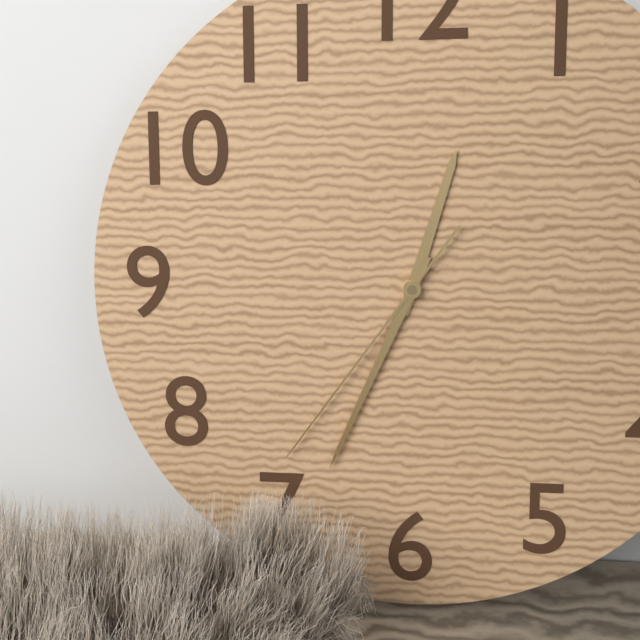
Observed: 12.34.36
